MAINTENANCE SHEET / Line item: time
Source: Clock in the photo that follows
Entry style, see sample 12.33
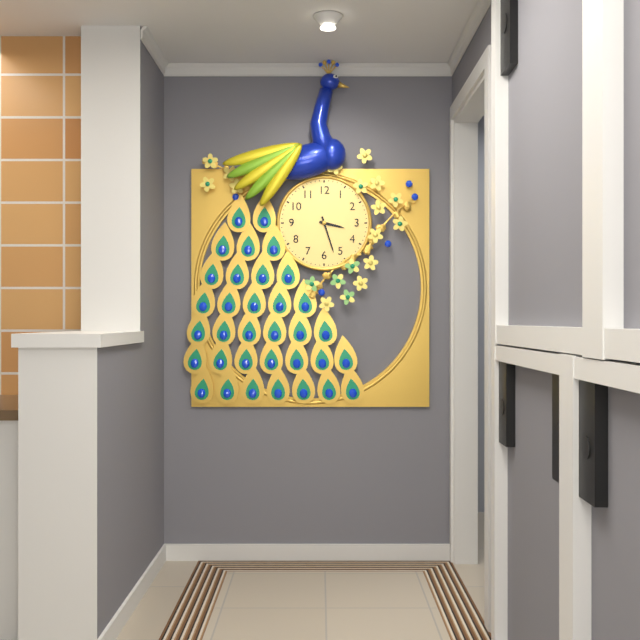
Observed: 3.27
